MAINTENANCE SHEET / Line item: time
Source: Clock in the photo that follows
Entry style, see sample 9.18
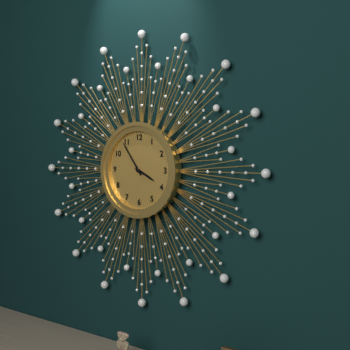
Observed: 3.54
